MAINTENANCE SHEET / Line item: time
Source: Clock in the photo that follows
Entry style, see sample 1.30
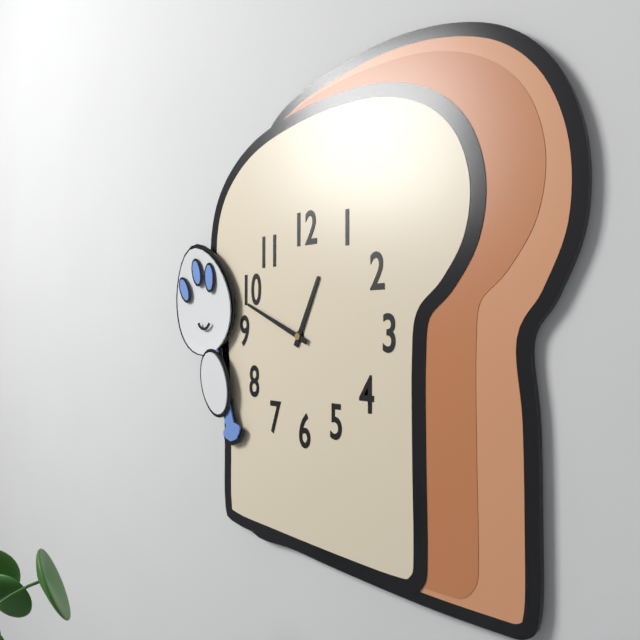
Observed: 12.49
